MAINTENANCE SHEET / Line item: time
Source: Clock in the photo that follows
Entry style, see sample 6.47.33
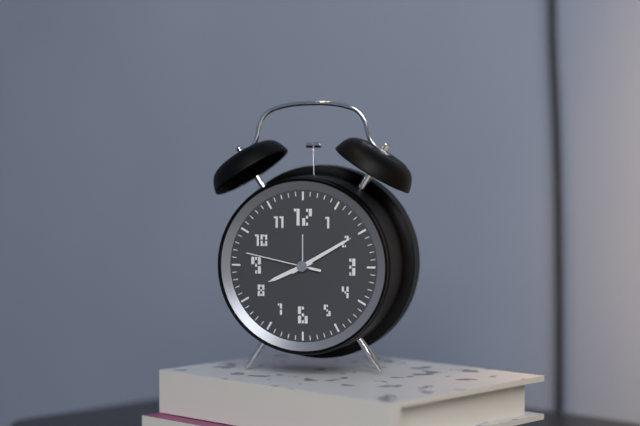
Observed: 8.10.47
